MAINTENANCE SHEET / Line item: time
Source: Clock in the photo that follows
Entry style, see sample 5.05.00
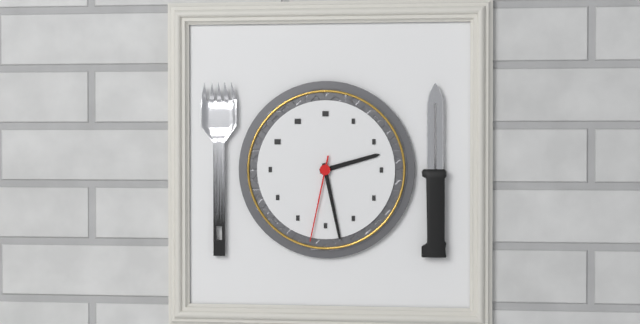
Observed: 2.28.32
